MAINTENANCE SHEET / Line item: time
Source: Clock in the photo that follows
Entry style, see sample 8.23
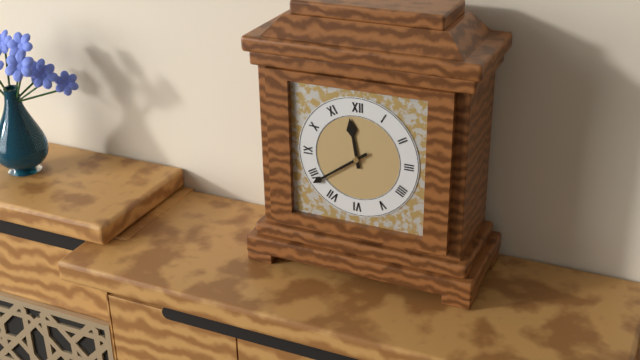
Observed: 11.39
